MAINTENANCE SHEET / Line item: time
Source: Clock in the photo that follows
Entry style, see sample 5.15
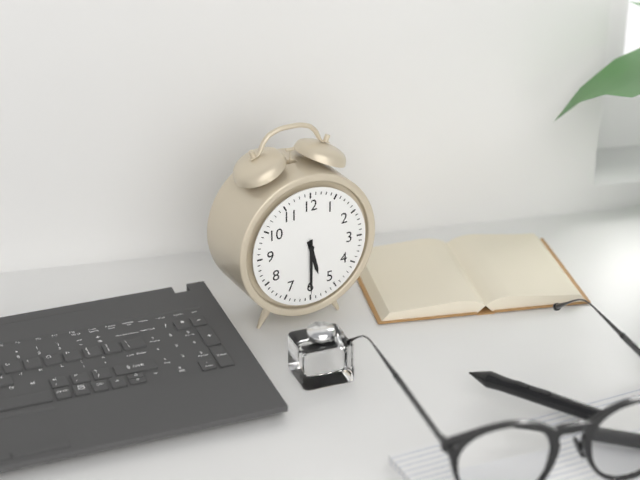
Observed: 5.30
